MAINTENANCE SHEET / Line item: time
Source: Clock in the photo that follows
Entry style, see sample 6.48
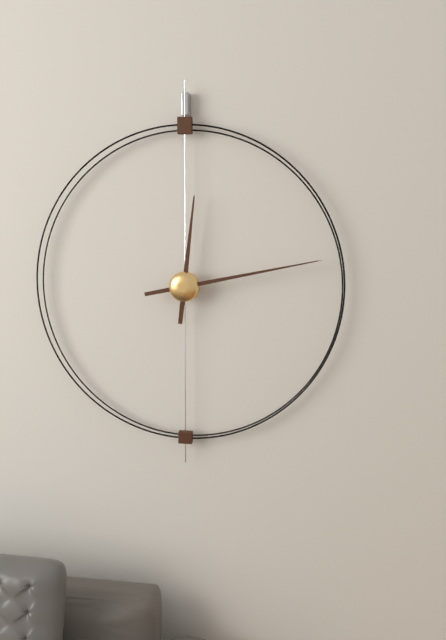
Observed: 12.13
